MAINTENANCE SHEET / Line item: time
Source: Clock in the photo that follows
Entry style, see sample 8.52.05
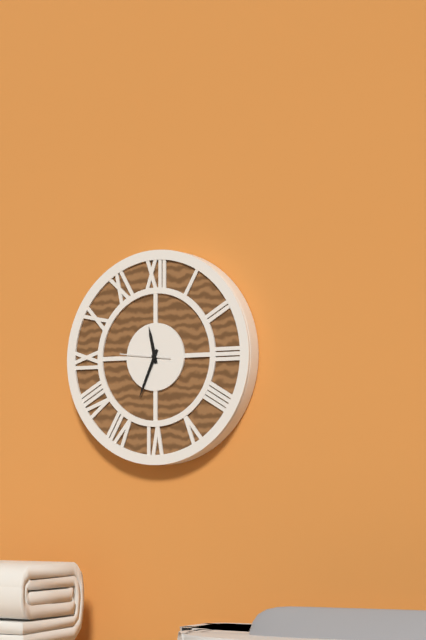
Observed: 11.34.46
